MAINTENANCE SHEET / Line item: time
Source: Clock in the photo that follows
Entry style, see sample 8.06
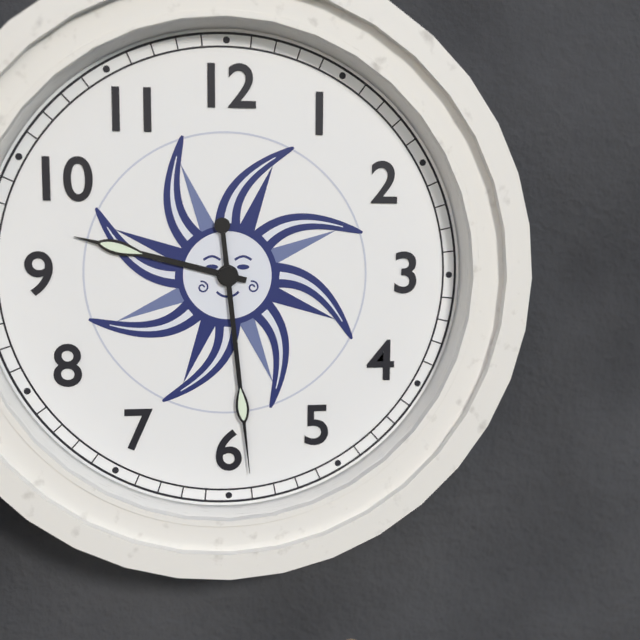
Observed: 9.29
